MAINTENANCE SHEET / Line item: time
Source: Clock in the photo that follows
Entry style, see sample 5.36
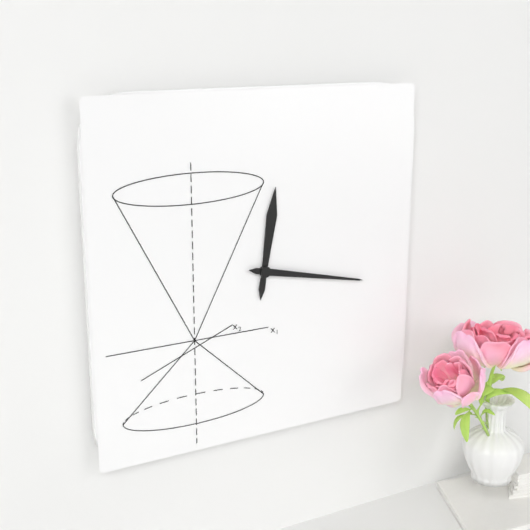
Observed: 12.17
